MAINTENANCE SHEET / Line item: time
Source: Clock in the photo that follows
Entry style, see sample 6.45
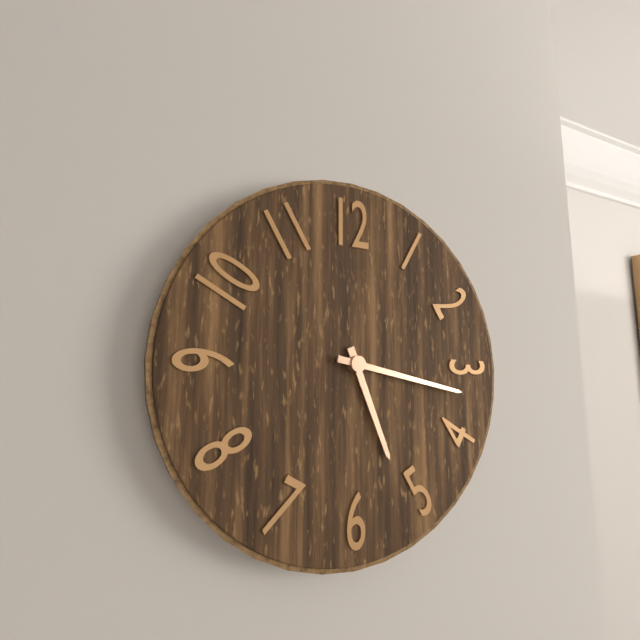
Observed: 5.17
